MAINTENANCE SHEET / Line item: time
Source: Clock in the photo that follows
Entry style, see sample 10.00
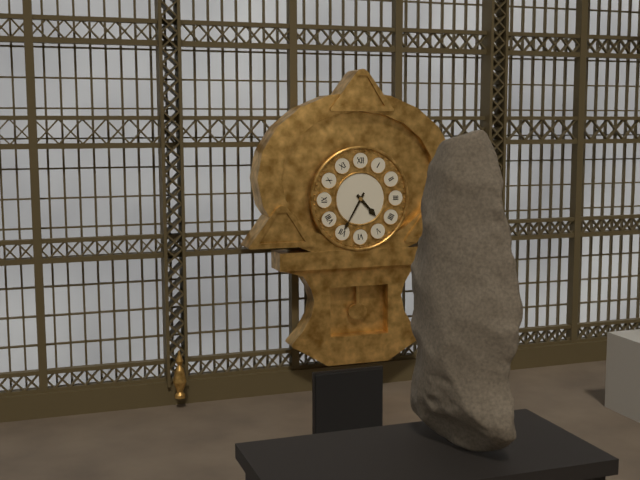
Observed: 4.35
